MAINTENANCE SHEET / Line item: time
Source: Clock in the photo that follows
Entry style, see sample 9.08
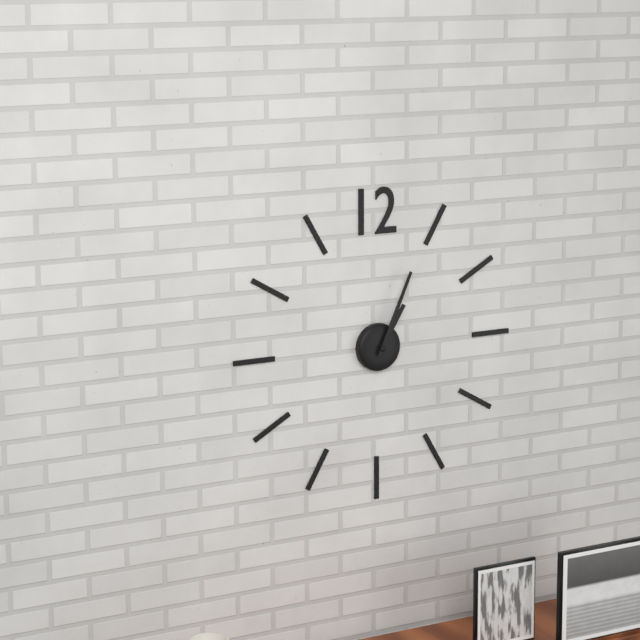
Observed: 1.04
